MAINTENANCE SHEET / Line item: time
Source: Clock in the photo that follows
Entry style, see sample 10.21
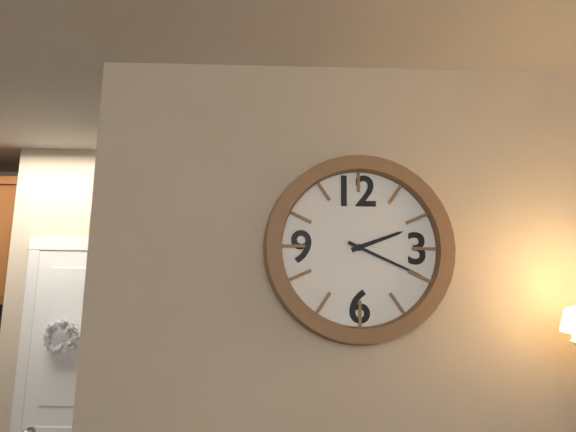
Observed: 2.19
